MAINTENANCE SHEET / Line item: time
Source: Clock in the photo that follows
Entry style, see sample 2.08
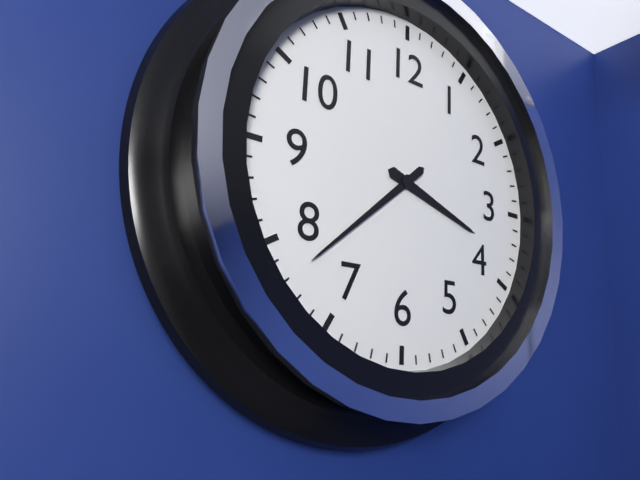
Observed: 3.38
